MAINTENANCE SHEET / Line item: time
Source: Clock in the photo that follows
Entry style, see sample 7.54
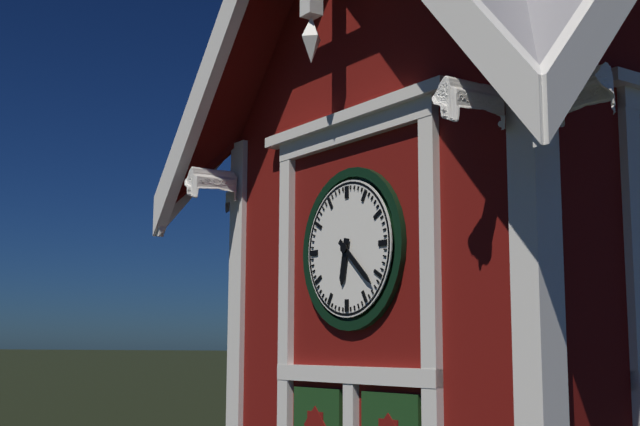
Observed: 6.22
